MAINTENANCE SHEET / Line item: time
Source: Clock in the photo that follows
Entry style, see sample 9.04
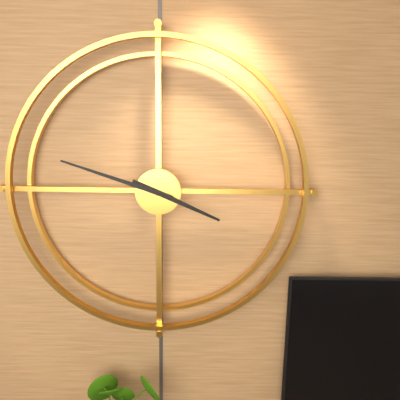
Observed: 3.48
